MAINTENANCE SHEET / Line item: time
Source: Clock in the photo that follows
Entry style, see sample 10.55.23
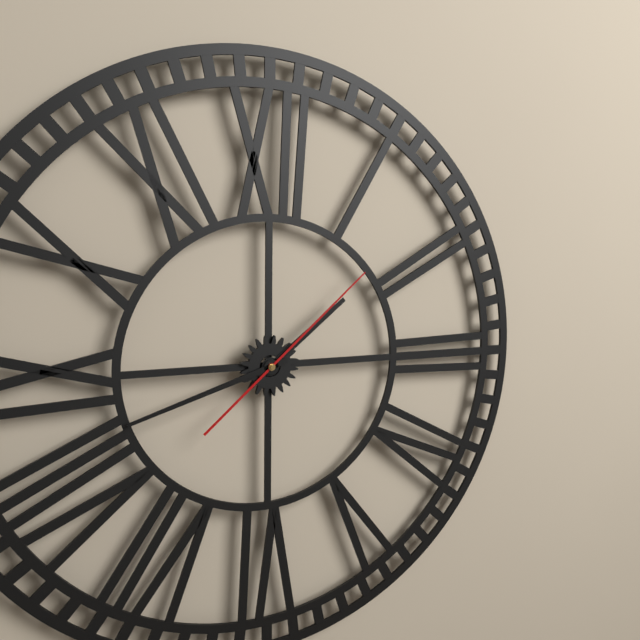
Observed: 1.42.08
